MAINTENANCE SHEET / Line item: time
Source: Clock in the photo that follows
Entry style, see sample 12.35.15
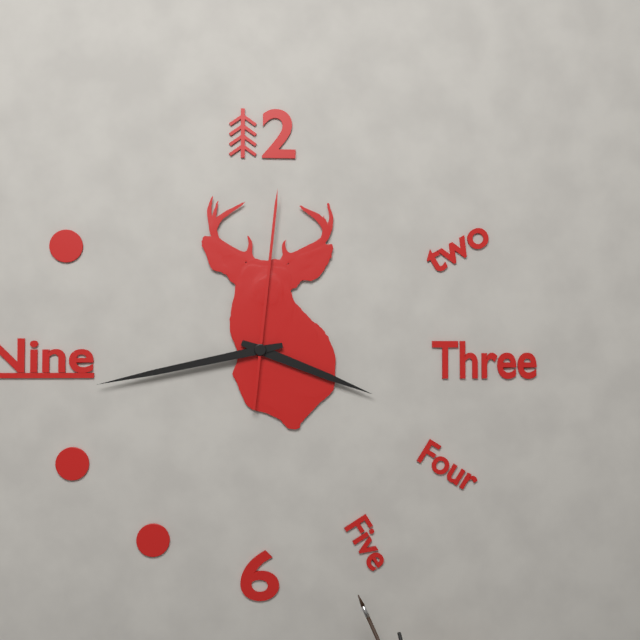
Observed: 3.43.01
